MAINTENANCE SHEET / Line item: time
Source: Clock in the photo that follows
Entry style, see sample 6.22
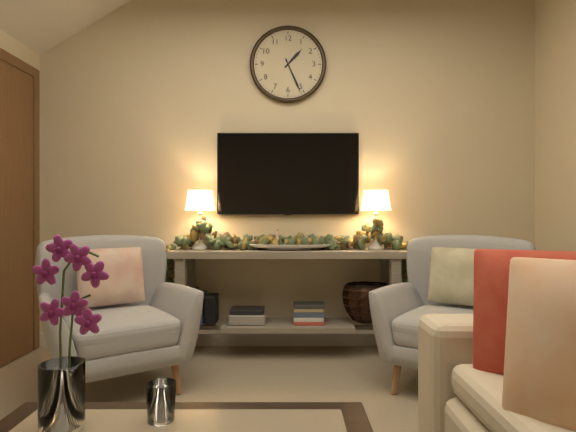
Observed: 1.26
